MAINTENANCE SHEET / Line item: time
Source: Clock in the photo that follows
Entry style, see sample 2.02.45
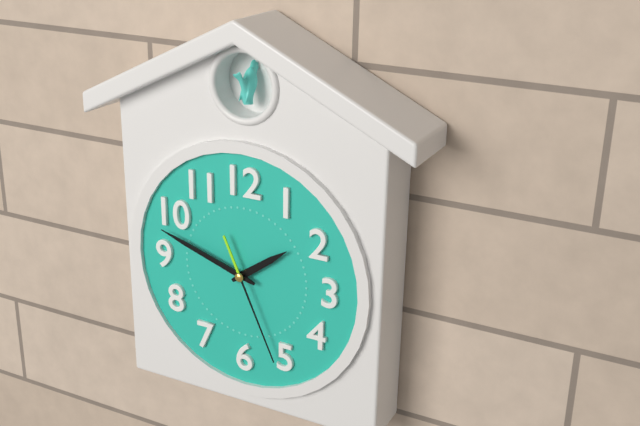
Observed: 1.48.26
